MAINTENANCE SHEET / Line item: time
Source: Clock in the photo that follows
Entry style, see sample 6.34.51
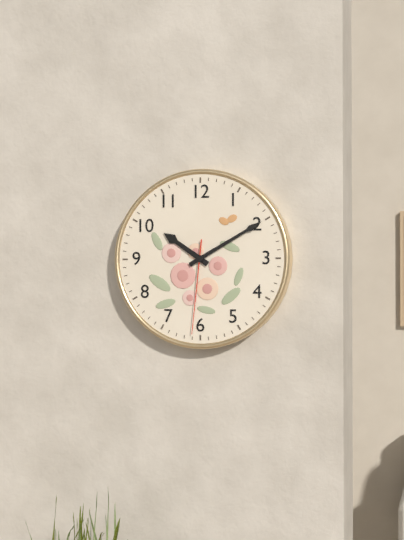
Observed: 10.10.31
